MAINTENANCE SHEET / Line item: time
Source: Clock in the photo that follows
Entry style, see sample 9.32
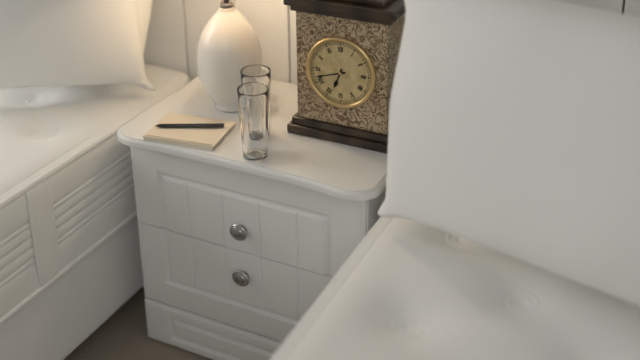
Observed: 6.42
